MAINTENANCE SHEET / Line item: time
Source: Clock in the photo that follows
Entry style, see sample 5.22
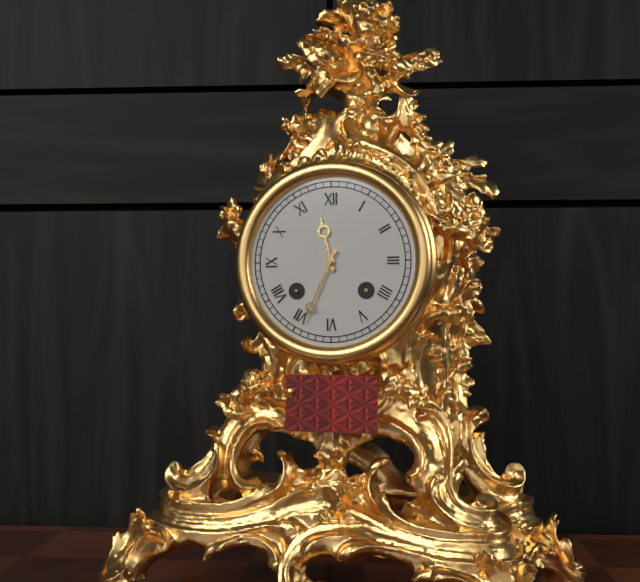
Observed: 11.34
